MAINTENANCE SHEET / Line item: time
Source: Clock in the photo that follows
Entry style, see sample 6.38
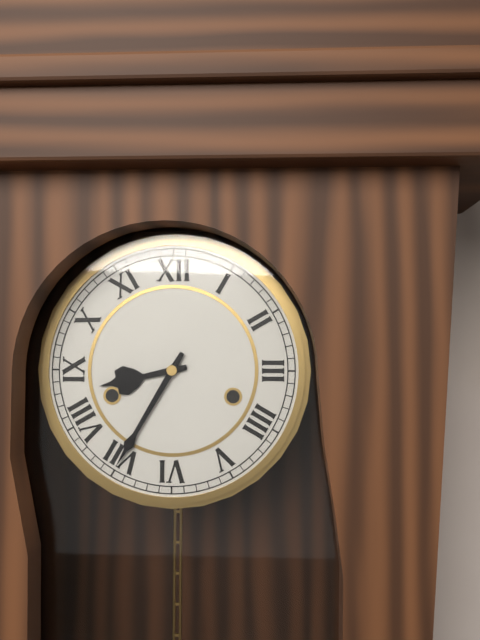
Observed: 8.35
